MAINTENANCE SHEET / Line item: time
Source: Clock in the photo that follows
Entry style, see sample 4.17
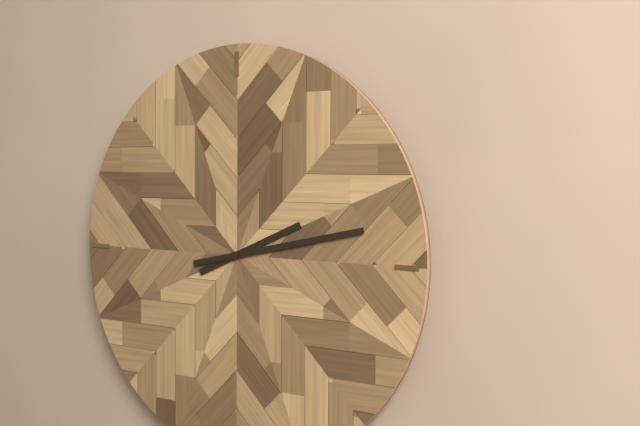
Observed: 2.13
